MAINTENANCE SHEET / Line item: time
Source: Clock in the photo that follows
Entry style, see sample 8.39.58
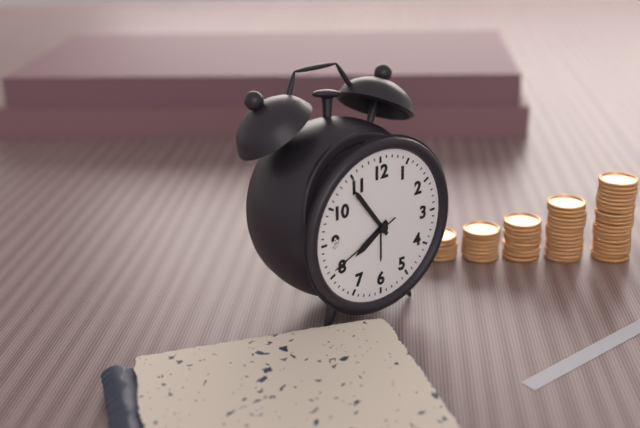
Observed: 7.54.41
